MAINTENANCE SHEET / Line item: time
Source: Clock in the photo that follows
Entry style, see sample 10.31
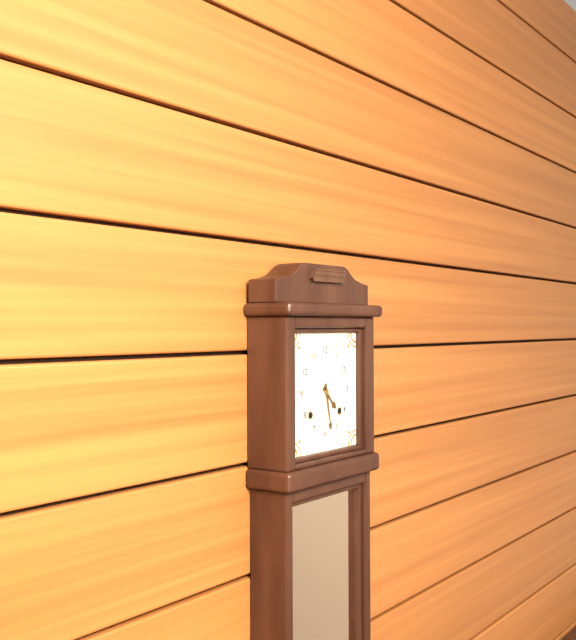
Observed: 4.28
